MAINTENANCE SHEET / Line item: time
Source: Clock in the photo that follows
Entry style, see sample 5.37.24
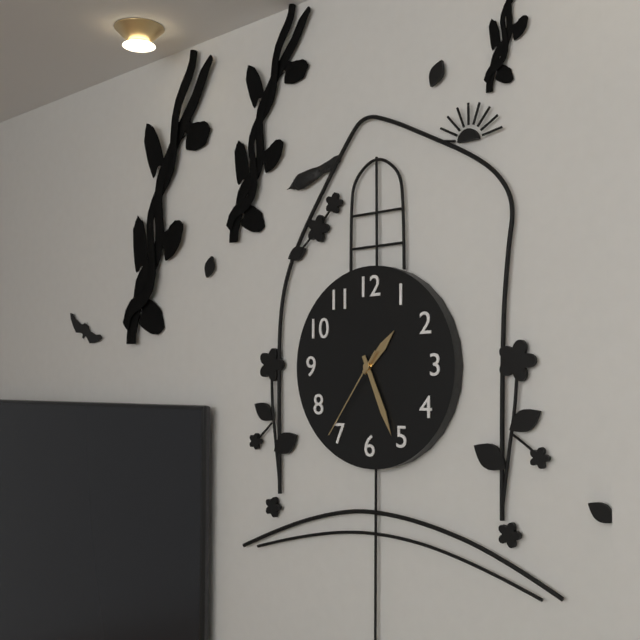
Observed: 1.26.36
